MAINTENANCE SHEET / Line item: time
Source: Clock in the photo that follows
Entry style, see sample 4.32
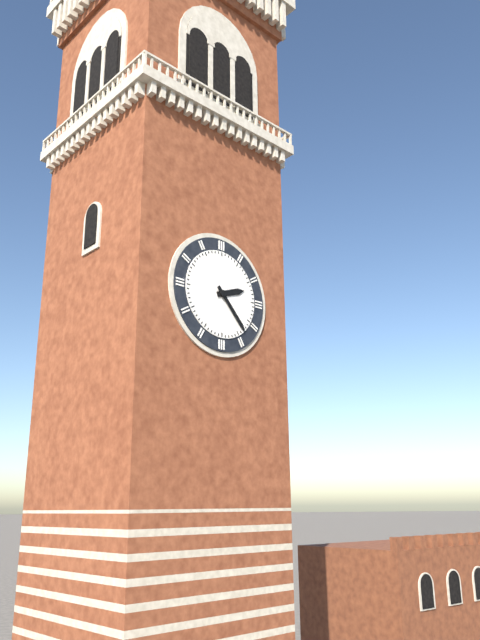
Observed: 2.23
